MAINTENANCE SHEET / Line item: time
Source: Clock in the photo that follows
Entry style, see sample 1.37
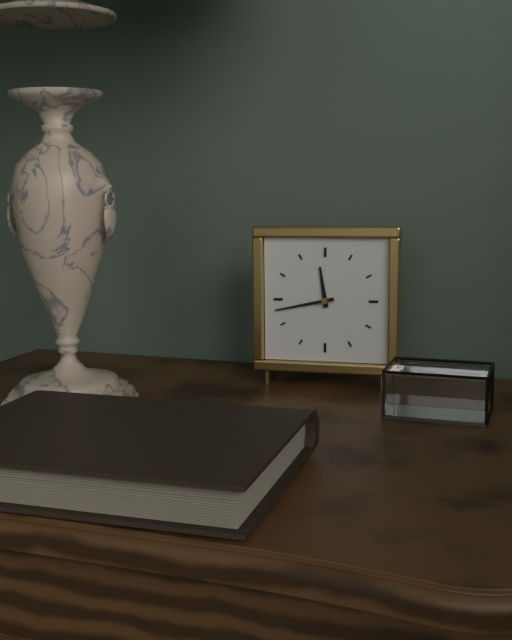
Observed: 11.43
